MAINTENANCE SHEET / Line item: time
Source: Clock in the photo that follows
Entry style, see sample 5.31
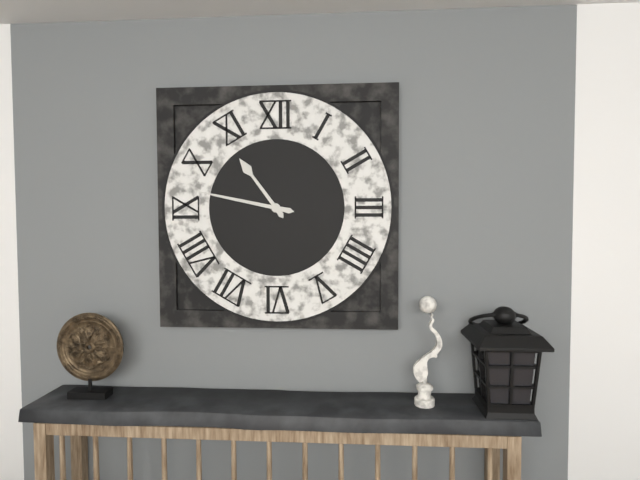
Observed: 10.47
